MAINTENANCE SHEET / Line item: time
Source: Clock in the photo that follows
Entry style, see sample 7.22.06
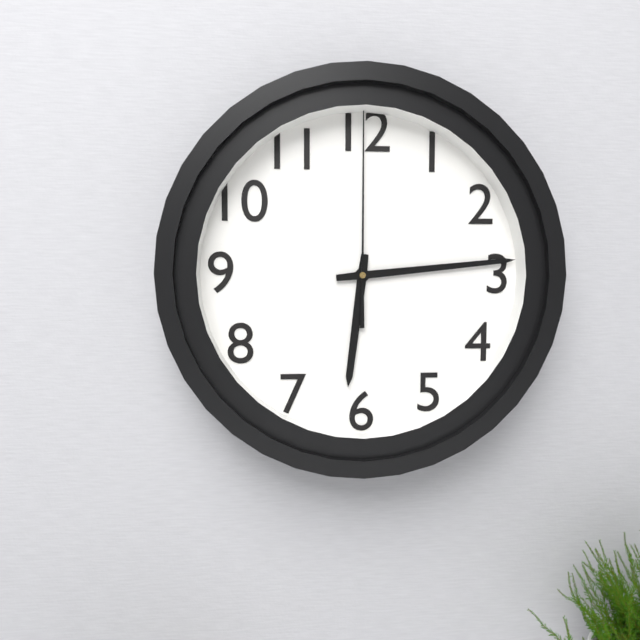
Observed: 6.14.00
